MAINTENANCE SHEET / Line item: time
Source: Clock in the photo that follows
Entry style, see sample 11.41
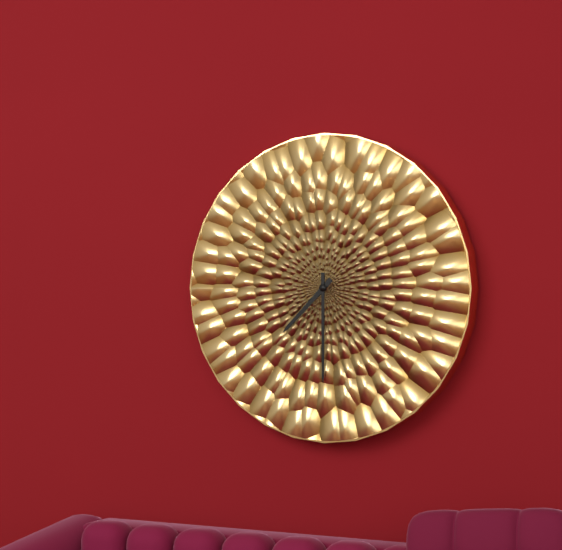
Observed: 7.30
